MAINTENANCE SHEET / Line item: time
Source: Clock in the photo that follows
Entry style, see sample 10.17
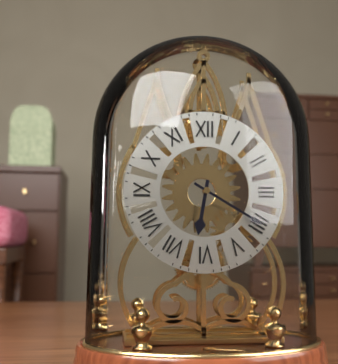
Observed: 6.20
